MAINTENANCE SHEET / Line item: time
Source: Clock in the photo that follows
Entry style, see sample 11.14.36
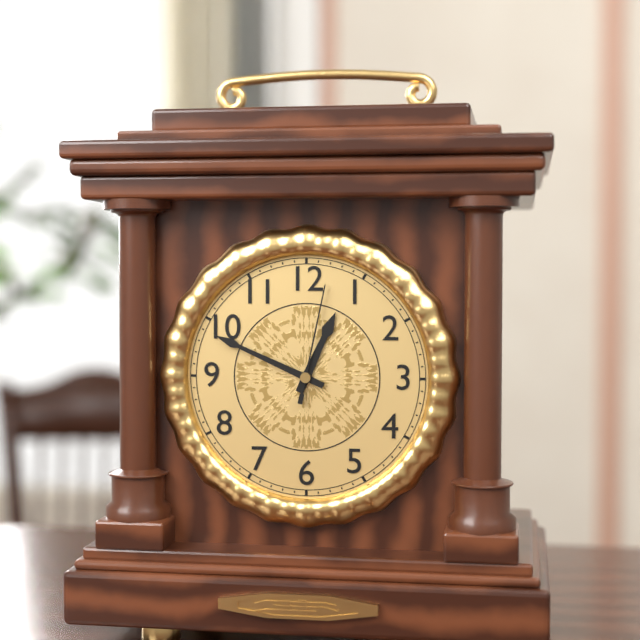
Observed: 12.49.02
